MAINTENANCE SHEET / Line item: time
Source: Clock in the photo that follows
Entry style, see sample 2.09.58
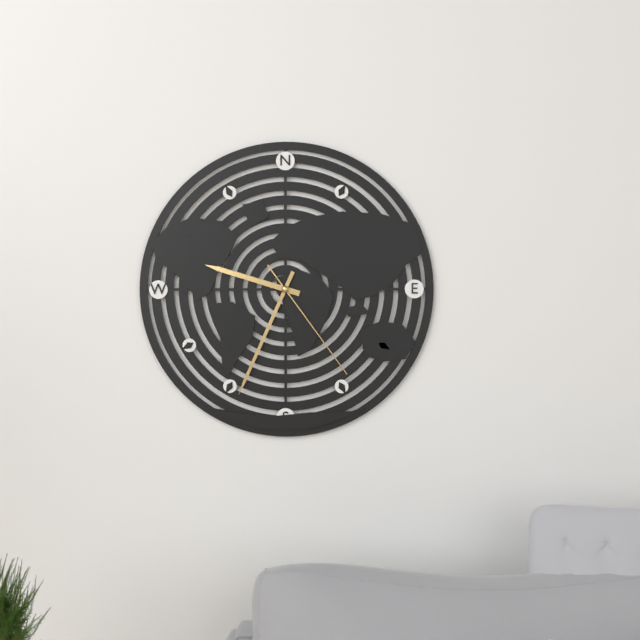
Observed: 9.34.24
